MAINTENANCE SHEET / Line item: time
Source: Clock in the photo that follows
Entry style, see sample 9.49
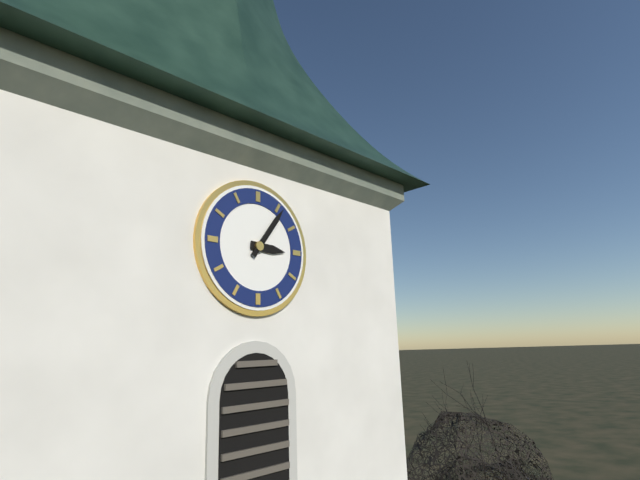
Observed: 3.06
